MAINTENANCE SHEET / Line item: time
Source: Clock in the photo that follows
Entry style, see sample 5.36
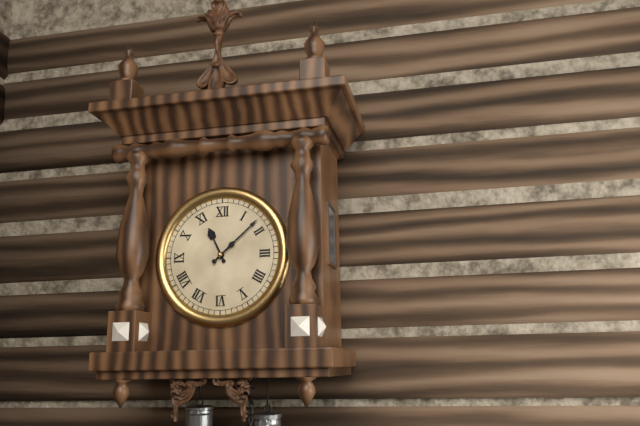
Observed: 11.08
